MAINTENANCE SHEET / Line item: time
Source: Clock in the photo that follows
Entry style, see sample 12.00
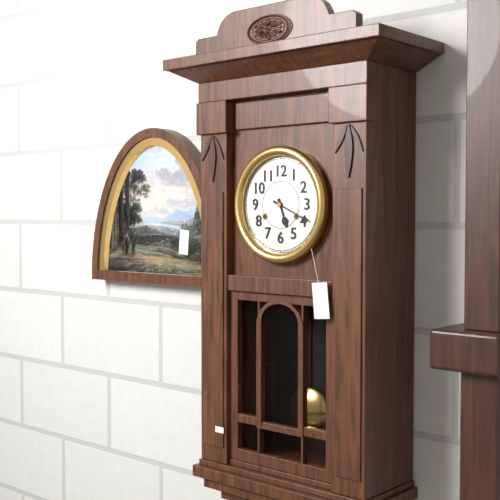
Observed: 5.19
